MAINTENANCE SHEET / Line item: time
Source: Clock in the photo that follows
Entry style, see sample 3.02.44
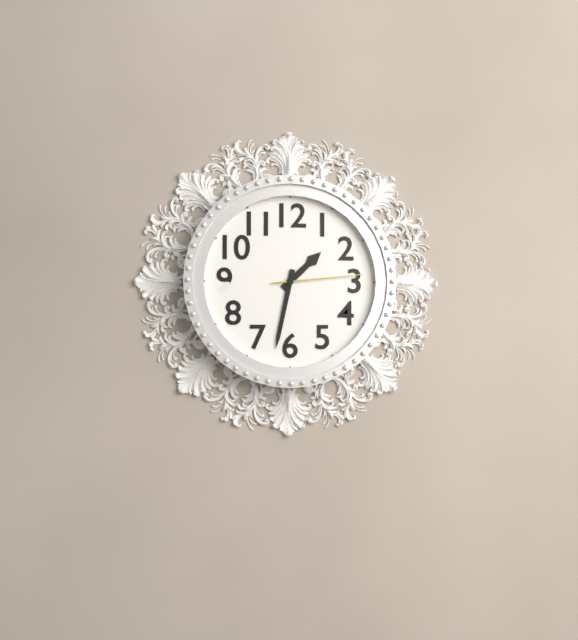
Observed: 1.32.14
